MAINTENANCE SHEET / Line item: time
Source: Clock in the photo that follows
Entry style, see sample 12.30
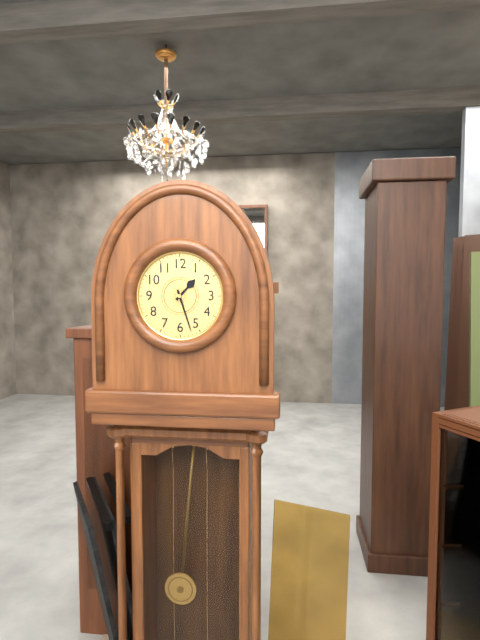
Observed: 1.27
